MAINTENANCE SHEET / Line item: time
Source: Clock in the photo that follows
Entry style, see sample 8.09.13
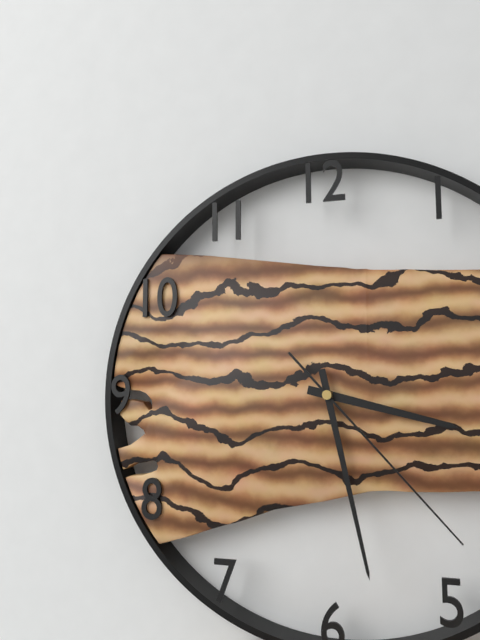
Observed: 3.28.23
